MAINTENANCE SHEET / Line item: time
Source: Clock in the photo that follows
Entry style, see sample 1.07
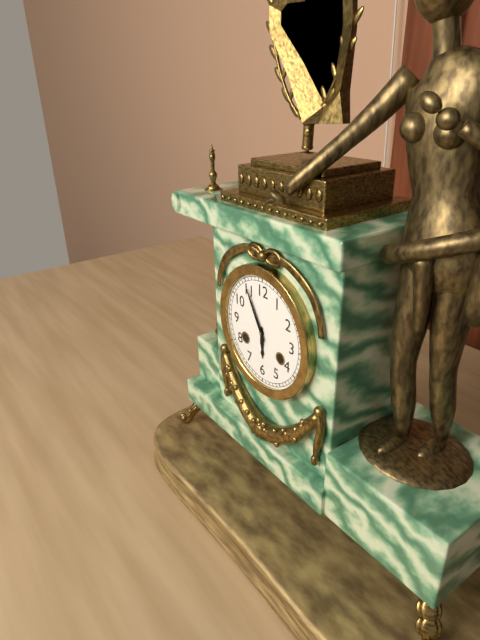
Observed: 5.55
